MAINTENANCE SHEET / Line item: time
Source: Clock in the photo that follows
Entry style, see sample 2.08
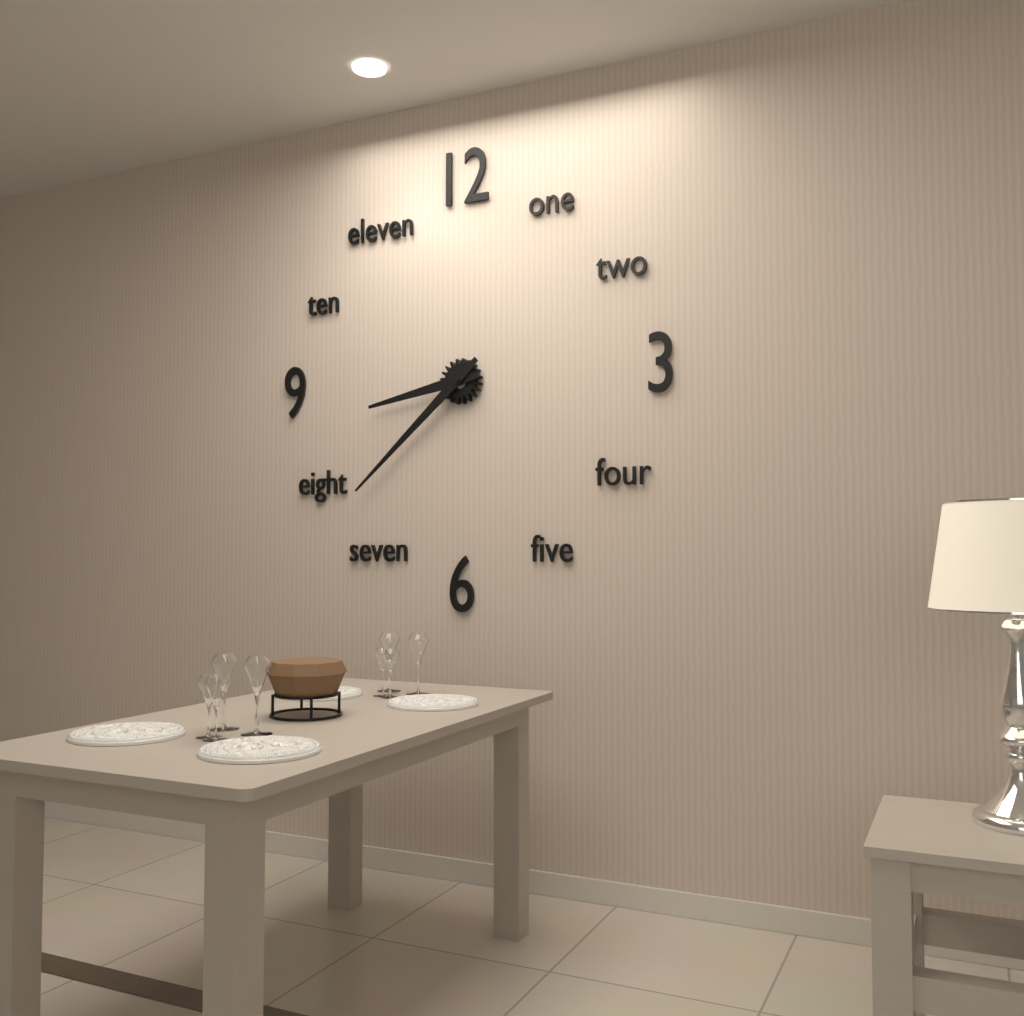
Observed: 8.38
